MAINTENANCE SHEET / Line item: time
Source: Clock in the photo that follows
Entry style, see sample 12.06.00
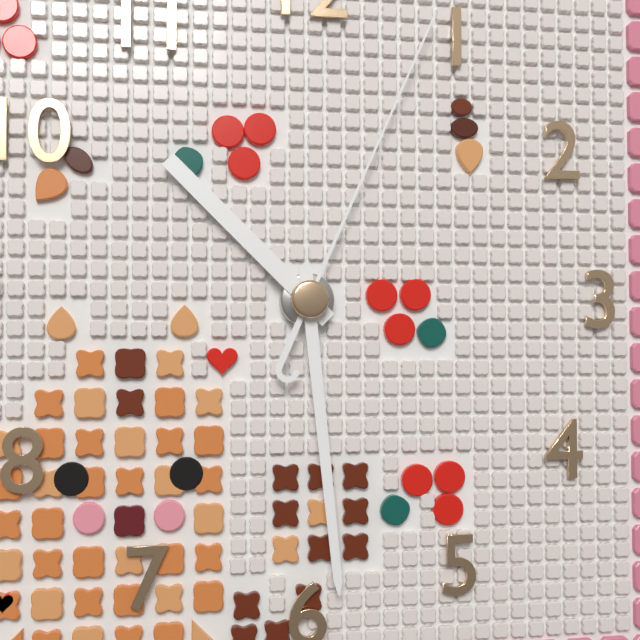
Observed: 10.29.04
